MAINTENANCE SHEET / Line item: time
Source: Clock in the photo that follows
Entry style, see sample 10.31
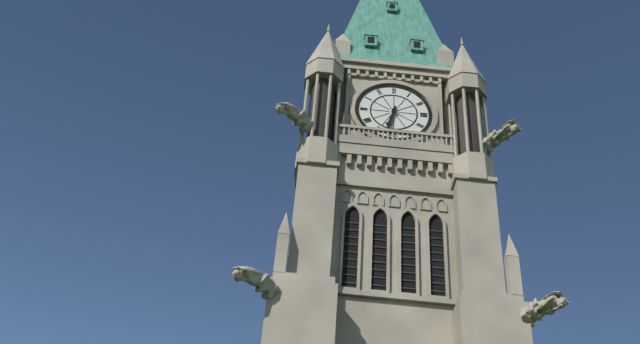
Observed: 6.32
